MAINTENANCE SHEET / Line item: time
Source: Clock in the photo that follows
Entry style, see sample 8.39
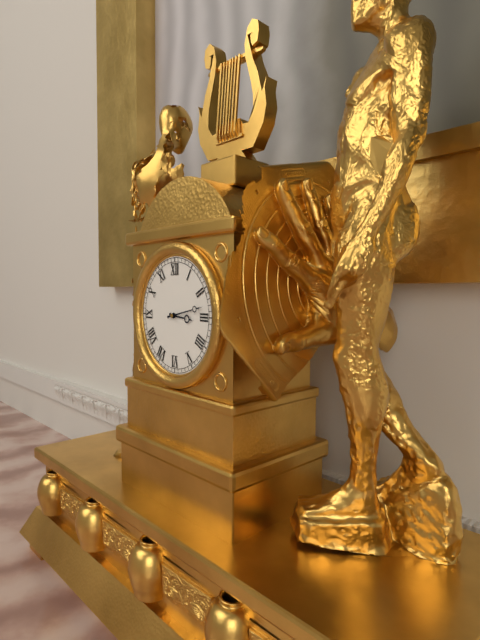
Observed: 3.13
